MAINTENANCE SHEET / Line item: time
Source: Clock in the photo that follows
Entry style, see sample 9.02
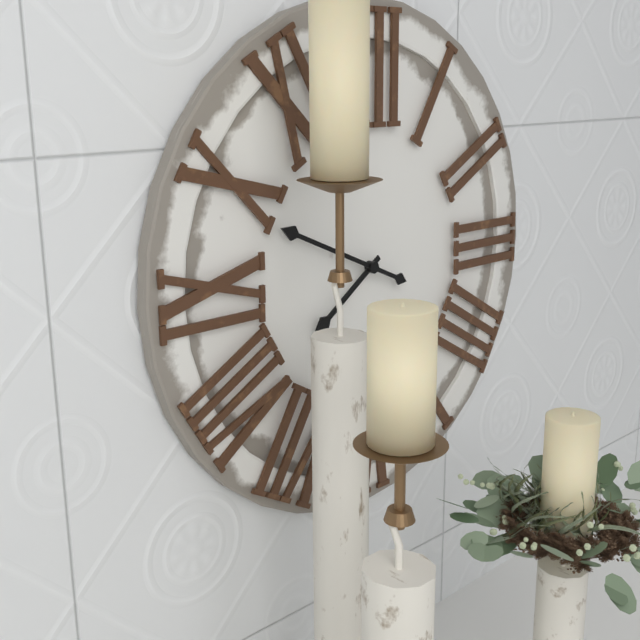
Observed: 7.49
